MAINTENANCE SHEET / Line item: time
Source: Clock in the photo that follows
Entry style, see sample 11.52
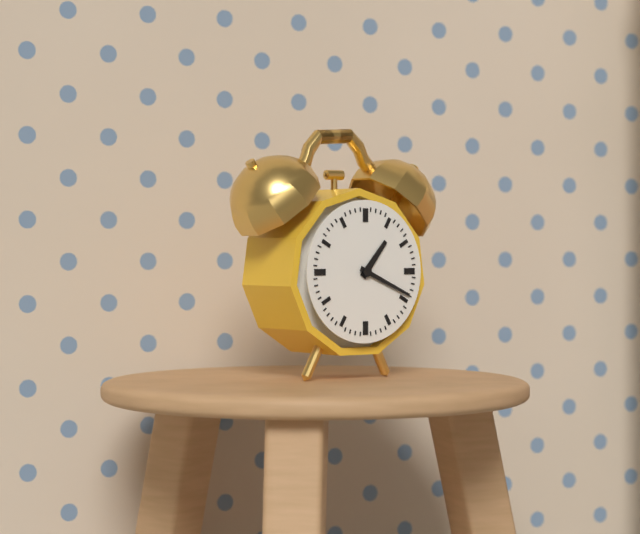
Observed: 1.19
